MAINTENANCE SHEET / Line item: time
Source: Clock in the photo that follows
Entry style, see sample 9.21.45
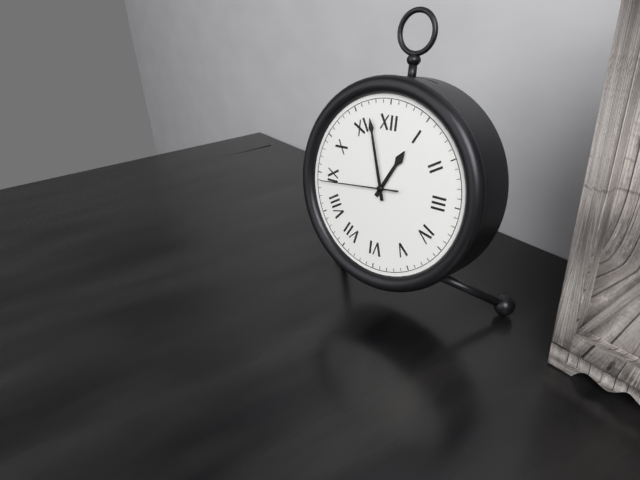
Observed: 12.57.44
